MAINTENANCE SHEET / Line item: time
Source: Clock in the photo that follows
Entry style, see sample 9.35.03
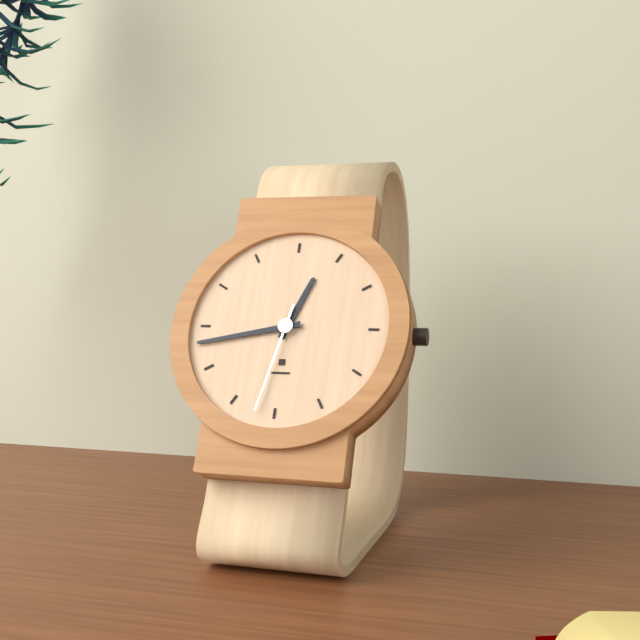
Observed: 12.43.32
